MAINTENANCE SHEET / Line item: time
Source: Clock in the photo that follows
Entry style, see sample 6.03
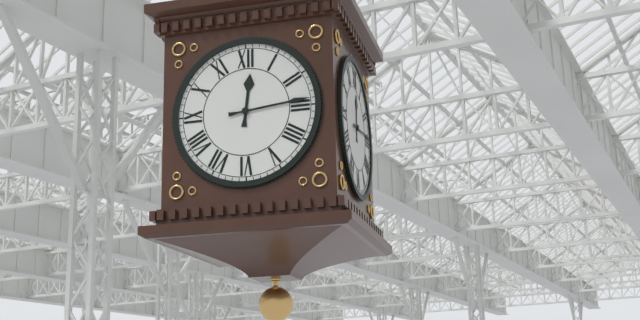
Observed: 12.14
